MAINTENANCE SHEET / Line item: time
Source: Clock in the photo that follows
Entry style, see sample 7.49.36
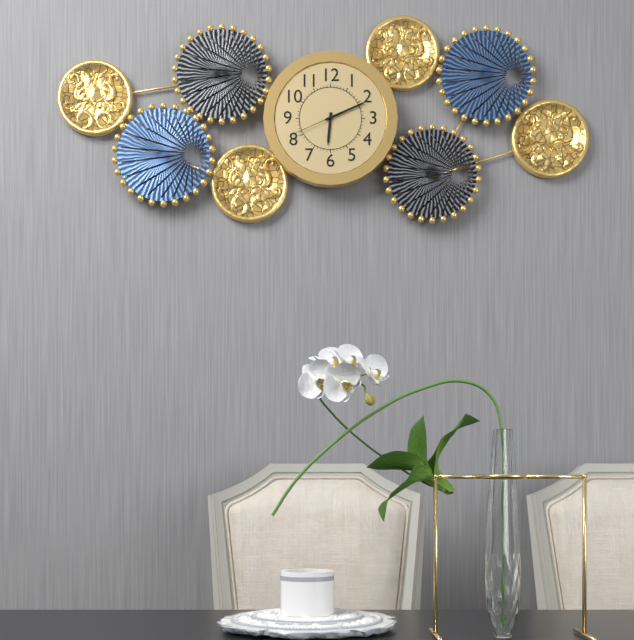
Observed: 6.11.41
